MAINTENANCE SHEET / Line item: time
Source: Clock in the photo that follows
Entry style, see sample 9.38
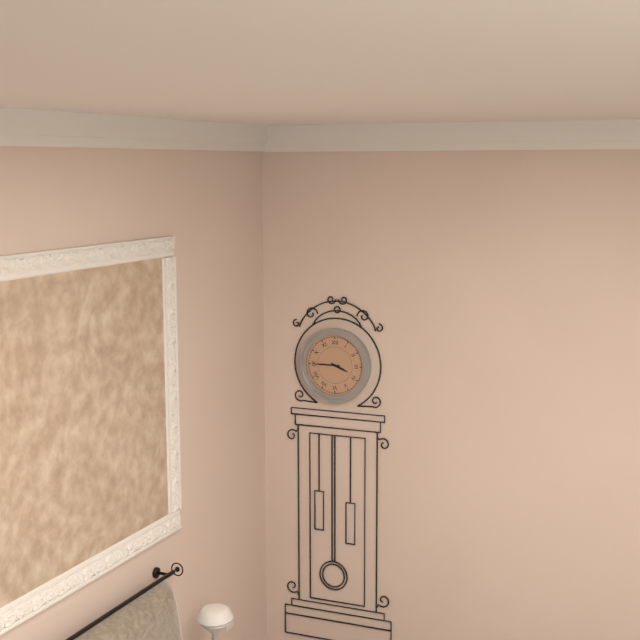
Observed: 3.45
